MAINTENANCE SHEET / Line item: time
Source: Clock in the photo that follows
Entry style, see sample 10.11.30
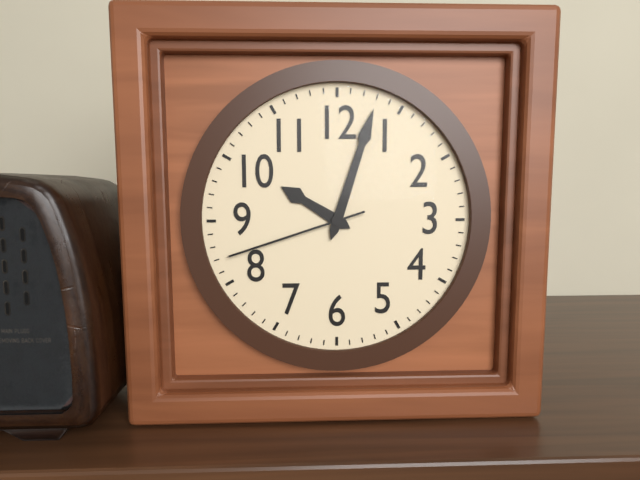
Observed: 10.03.42
